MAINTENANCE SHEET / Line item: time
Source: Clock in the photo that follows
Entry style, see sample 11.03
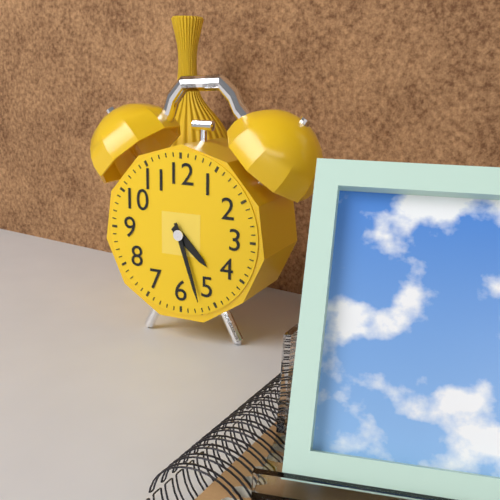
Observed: 4.27
